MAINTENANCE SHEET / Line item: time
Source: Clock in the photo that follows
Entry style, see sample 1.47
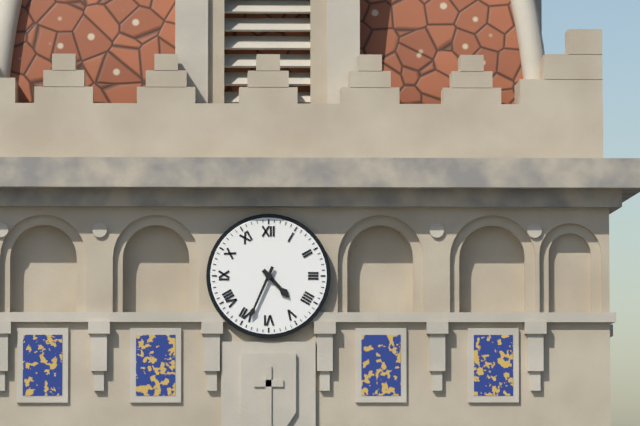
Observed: 4.34
